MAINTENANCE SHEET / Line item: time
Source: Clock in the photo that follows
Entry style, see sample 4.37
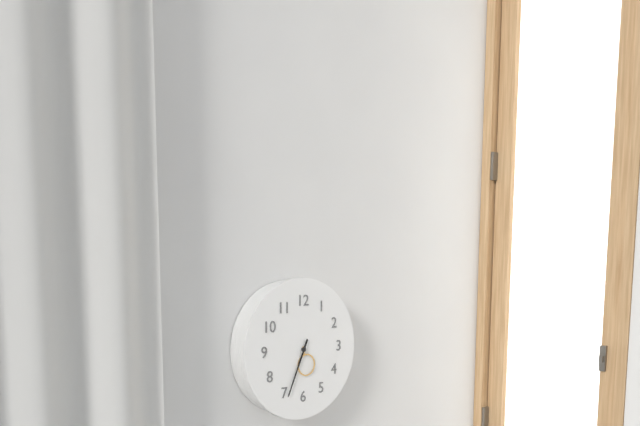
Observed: 5.34
